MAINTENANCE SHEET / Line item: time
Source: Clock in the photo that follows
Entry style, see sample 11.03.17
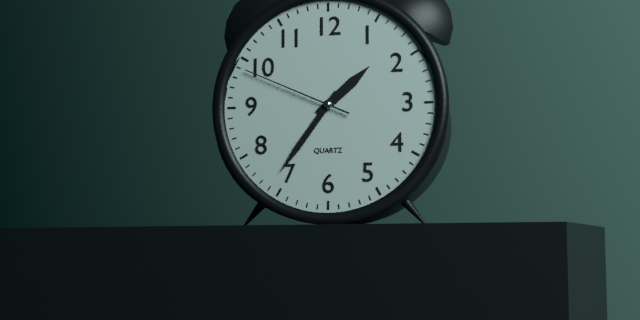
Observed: 1.36.49
